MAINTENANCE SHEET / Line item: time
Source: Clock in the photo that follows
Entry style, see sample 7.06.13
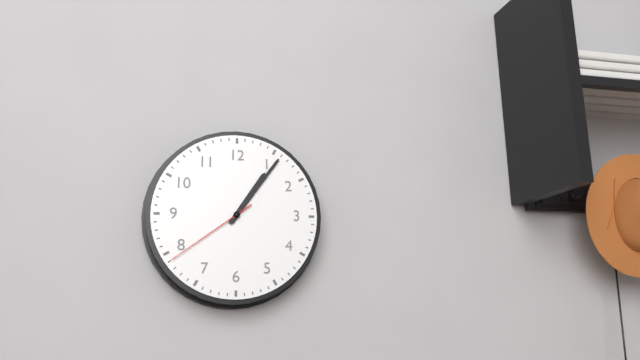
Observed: 1.06.39
